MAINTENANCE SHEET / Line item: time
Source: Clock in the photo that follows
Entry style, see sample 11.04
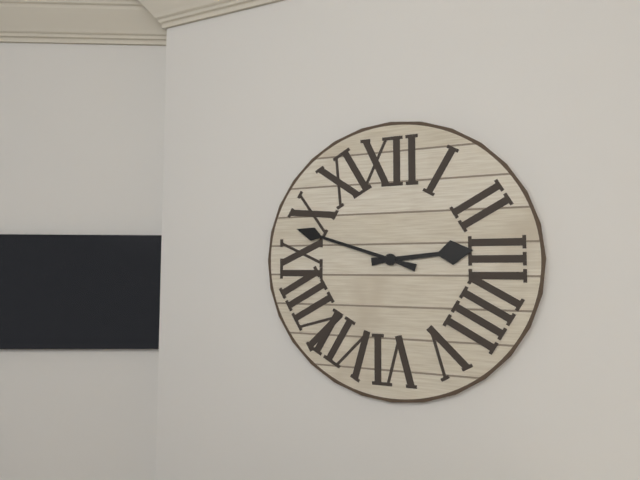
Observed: 2.48
